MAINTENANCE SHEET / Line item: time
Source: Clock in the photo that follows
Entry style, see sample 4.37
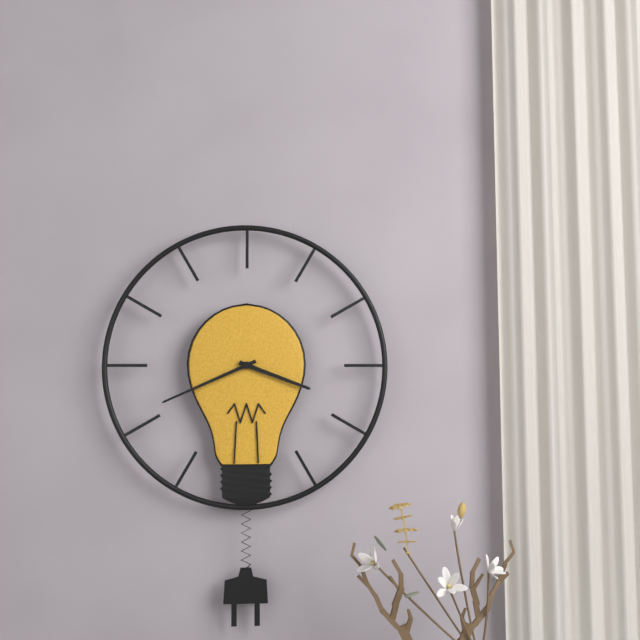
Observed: 3.41
